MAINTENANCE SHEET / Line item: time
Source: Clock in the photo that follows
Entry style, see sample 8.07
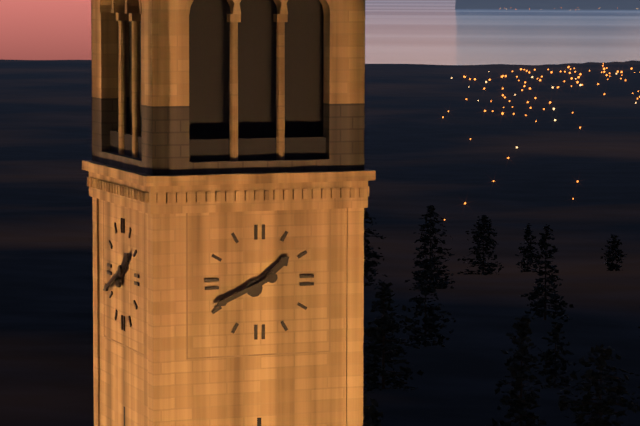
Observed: 1.41
